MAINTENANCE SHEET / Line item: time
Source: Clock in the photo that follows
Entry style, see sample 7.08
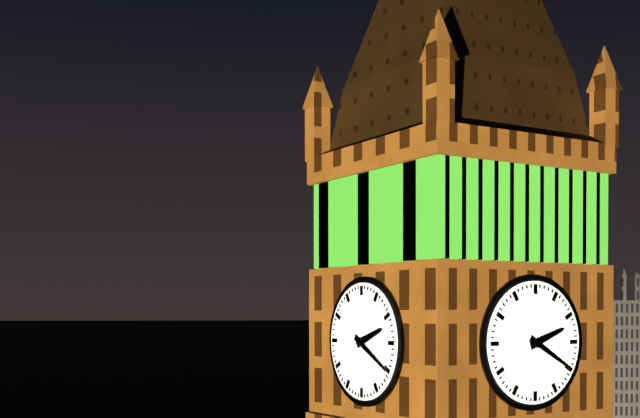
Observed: 2.20
